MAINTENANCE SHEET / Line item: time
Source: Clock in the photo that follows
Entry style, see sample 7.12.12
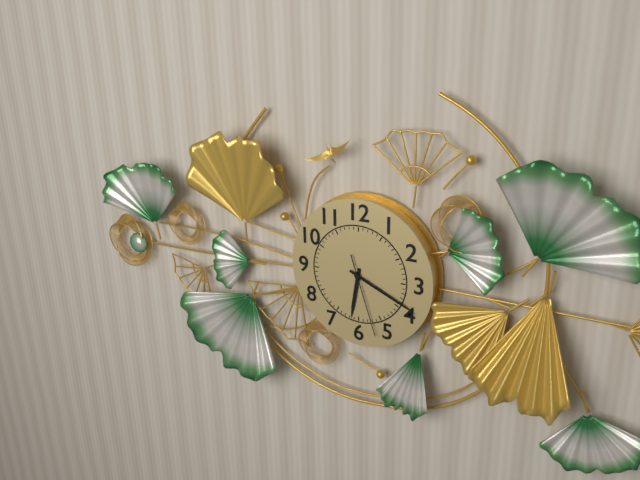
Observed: 6.19.27
